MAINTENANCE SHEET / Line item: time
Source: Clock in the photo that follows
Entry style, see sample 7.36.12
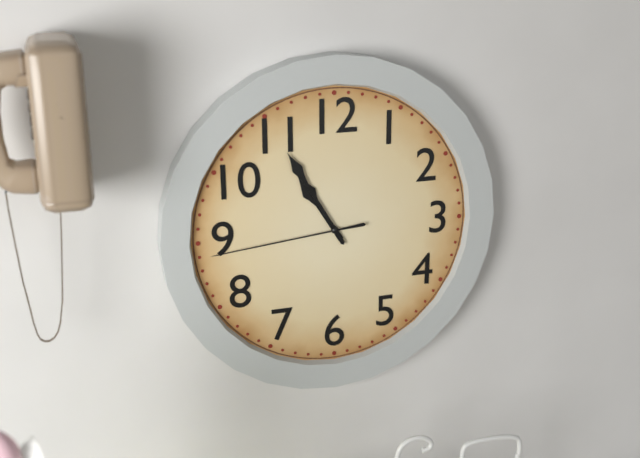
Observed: 10.55.44
